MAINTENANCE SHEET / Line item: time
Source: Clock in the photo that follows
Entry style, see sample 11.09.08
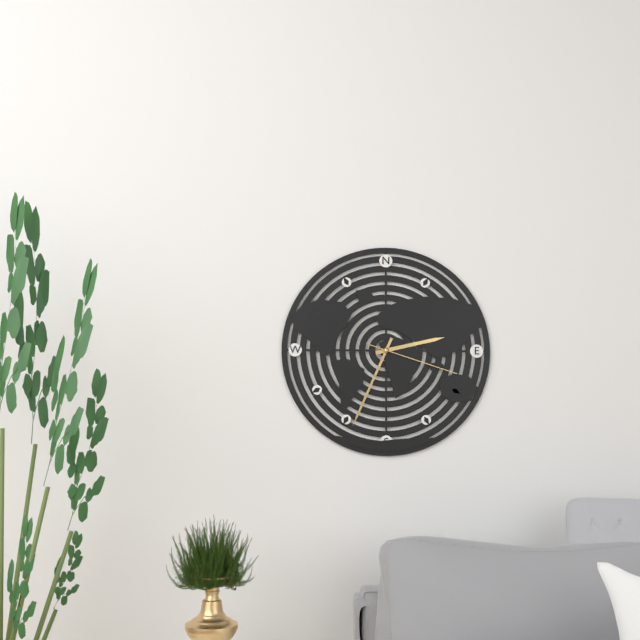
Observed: 2.34.18
